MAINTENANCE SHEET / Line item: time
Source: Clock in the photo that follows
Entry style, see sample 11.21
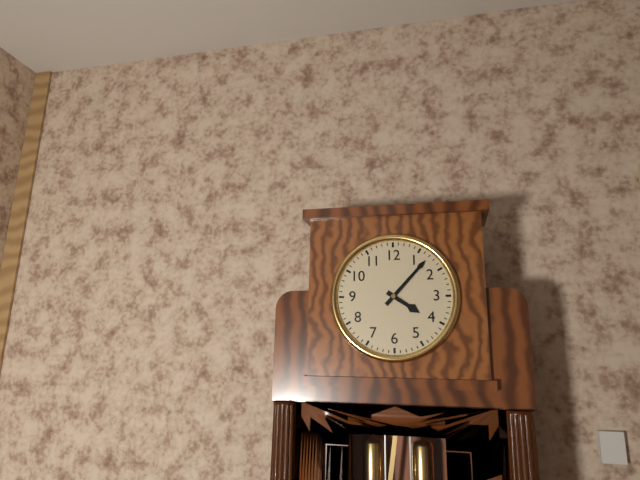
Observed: 4.07
